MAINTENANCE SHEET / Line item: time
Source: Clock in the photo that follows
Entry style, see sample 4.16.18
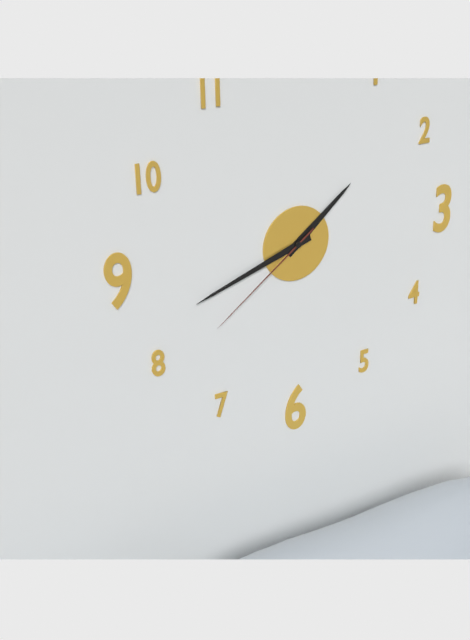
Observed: 1.42.39
